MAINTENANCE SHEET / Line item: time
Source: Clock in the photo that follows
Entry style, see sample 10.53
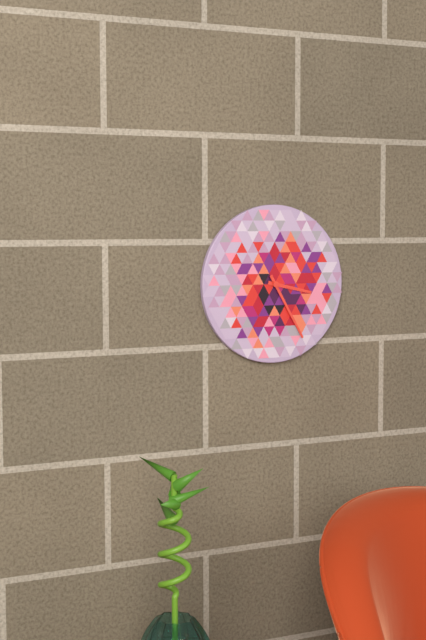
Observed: 3.25
